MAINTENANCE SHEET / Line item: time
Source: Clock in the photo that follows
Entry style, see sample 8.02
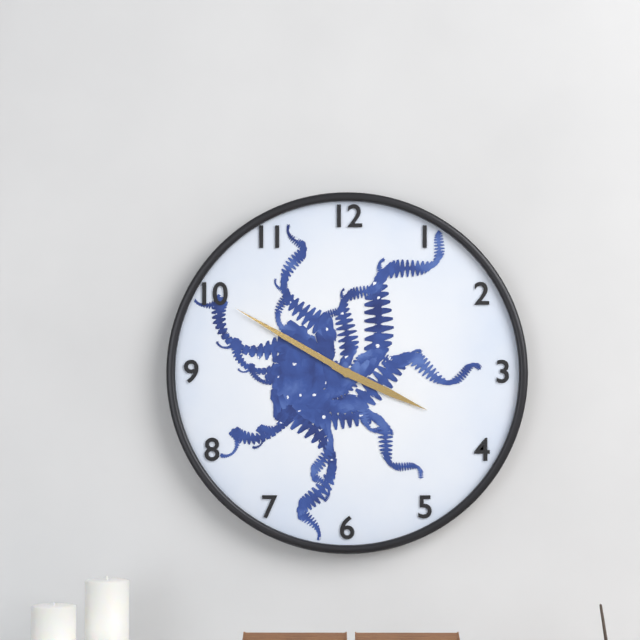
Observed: 3.50
